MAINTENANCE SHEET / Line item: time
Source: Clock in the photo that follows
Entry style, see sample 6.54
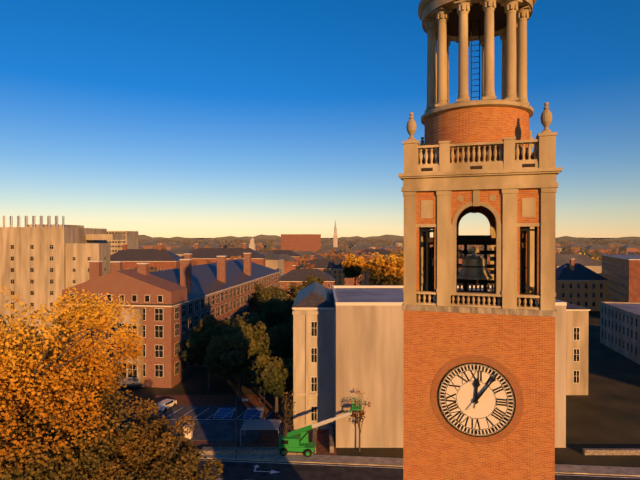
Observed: 12.06
